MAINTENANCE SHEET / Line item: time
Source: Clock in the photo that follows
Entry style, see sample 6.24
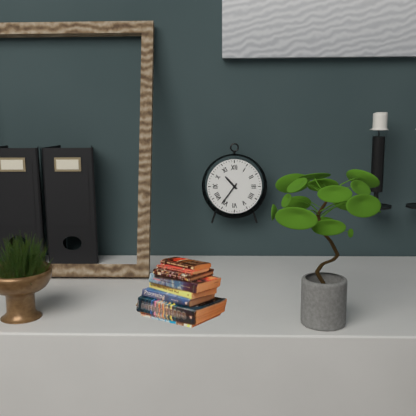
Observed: 10.36
